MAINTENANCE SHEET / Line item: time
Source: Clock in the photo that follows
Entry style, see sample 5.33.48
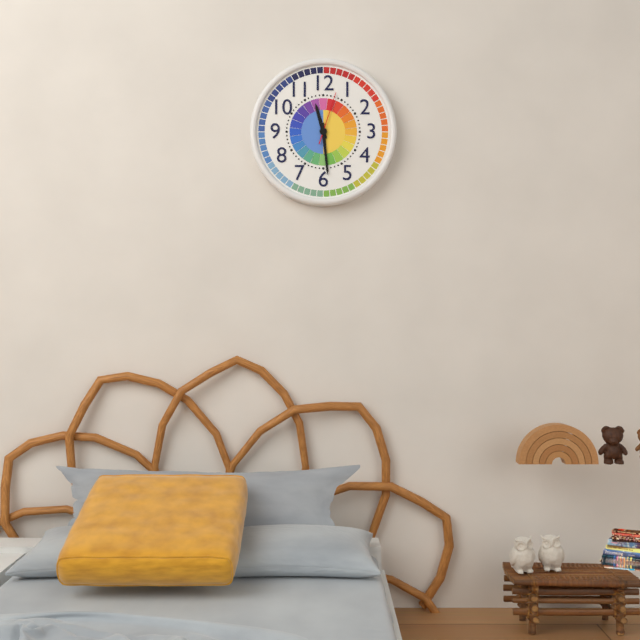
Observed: 11.29.03
